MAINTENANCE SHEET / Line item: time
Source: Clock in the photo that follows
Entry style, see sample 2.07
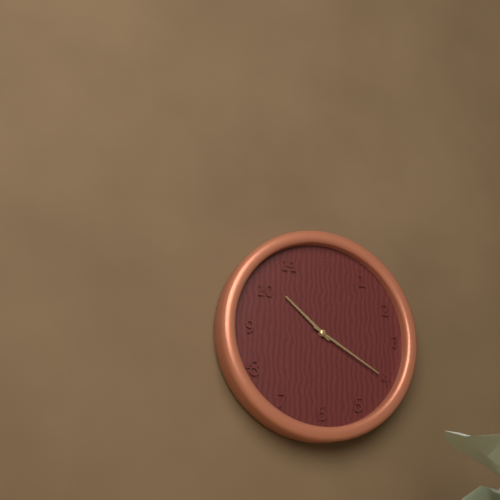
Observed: 10.20
